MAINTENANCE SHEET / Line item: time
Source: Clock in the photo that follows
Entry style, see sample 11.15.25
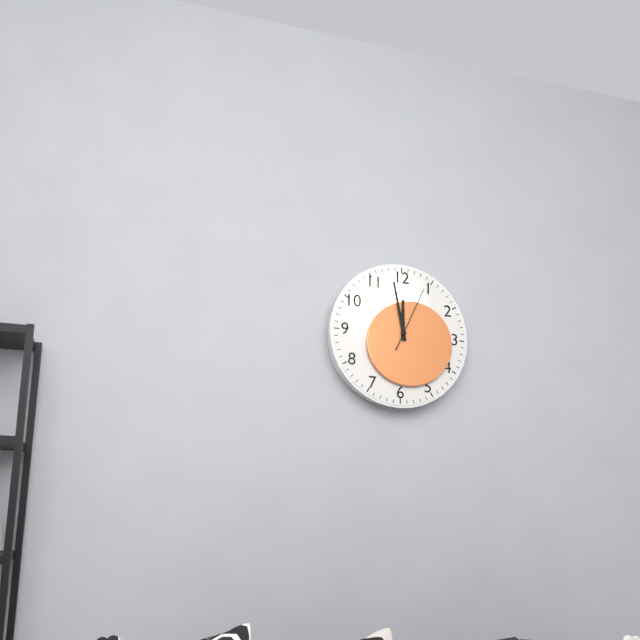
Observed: 11.58.04
